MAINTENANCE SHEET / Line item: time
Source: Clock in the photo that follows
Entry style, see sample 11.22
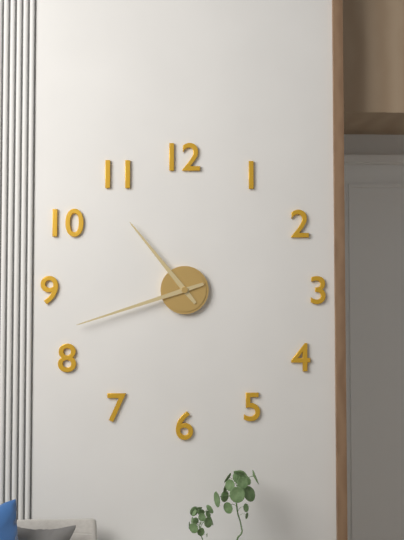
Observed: 10.42
